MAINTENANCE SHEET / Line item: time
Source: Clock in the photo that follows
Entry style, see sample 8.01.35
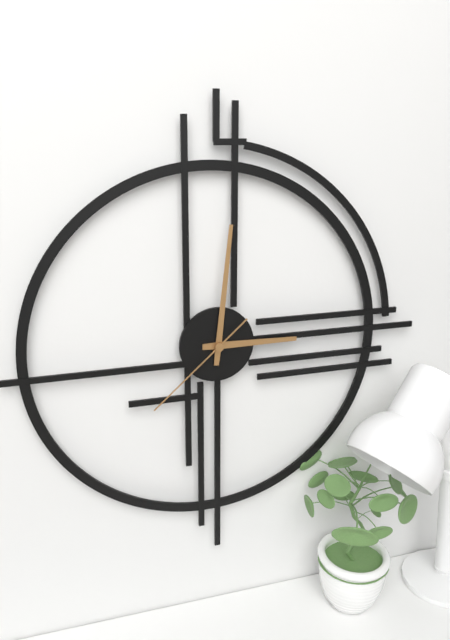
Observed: 3.01.38
